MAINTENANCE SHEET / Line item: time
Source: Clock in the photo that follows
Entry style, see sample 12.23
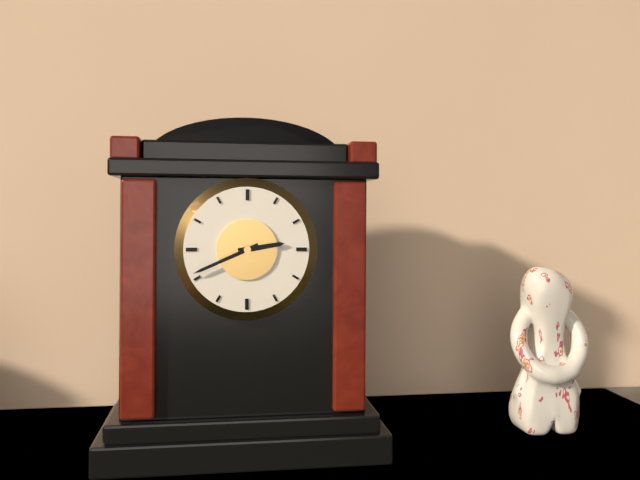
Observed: 2.41
